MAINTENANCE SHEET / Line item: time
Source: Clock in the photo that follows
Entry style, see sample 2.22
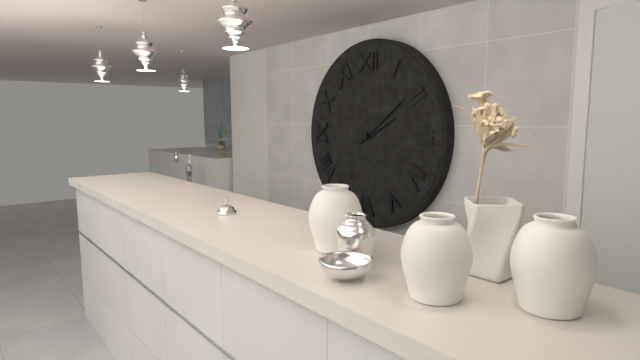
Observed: 2.09
